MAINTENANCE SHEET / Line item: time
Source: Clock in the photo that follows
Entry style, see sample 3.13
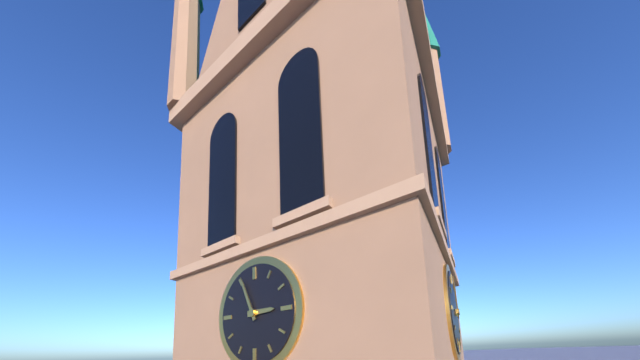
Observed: 2.56
